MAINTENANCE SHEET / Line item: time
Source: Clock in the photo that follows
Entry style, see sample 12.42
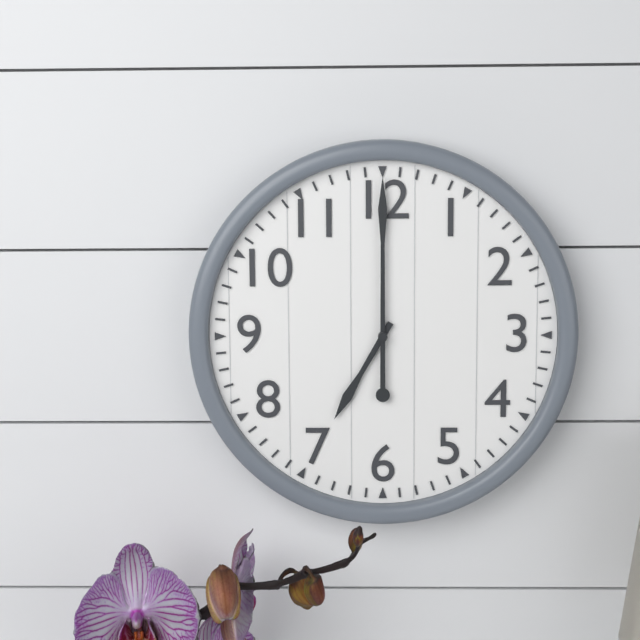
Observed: 7.00
